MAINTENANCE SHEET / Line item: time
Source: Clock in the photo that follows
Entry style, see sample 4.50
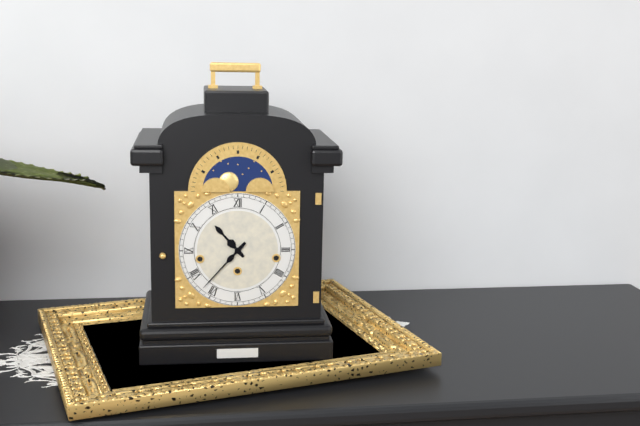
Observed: 10.37
